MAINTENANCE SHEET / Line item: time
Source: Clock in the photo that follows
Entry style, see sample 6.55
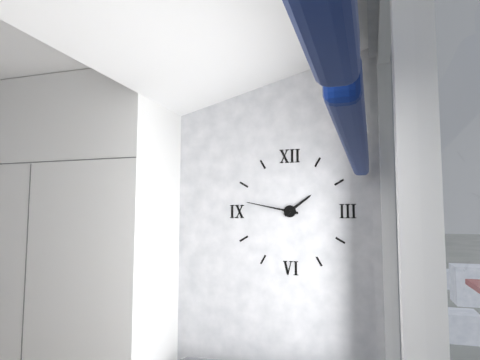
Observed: 1.47
